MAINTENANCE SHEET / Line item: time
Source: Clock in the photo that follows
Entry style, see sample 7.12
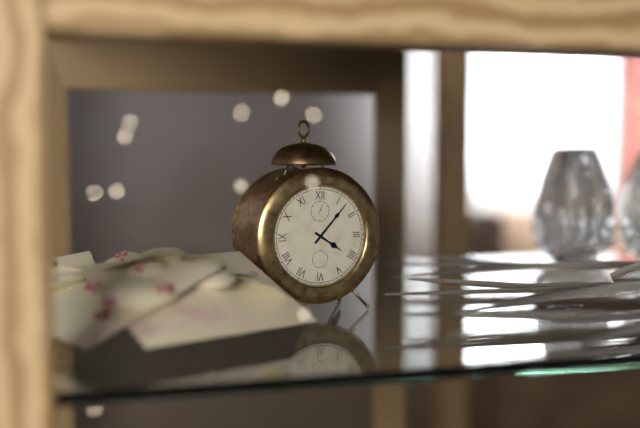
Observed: 4.07
